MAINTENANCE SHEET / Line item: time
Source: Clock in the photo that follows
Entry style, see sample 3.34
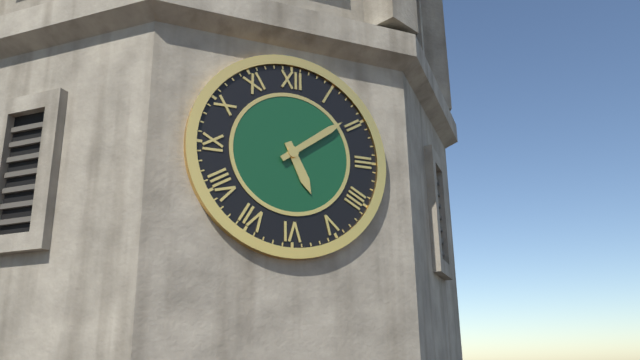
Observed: 5.09
